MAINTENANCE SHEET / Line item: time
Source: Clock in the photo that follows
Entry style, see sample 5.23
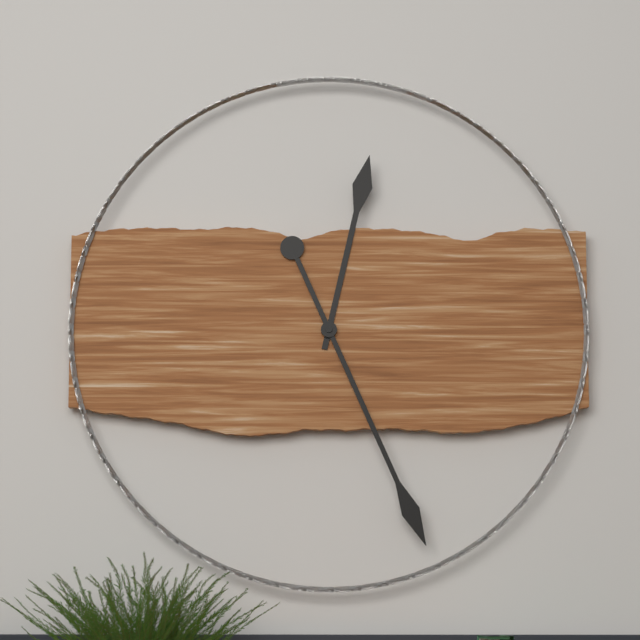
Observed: 12.26
